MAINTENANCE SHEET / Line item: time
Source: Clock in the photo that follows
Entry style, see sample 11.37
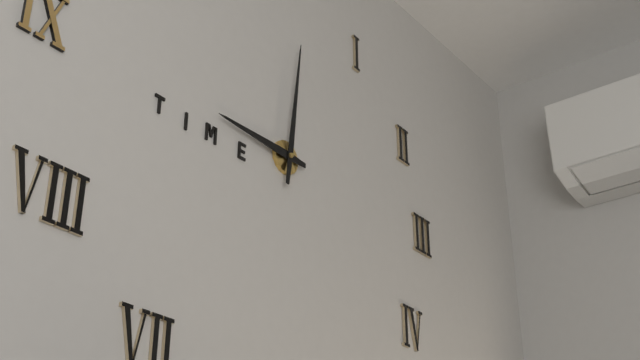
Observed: 9.01
